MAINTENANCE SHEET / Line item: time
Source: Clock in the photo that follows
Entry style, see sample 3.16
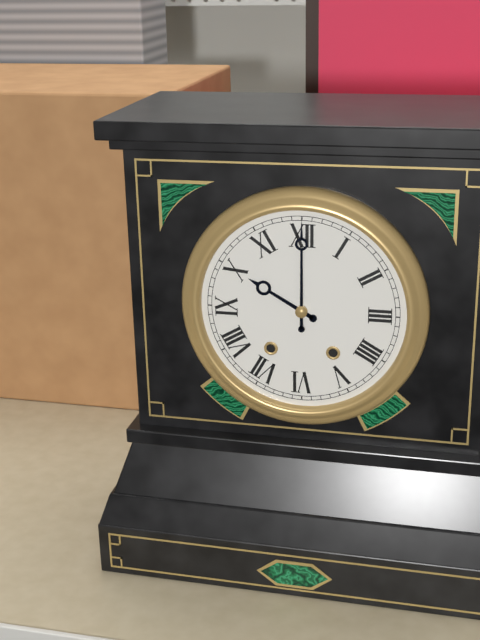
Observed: 10.00
